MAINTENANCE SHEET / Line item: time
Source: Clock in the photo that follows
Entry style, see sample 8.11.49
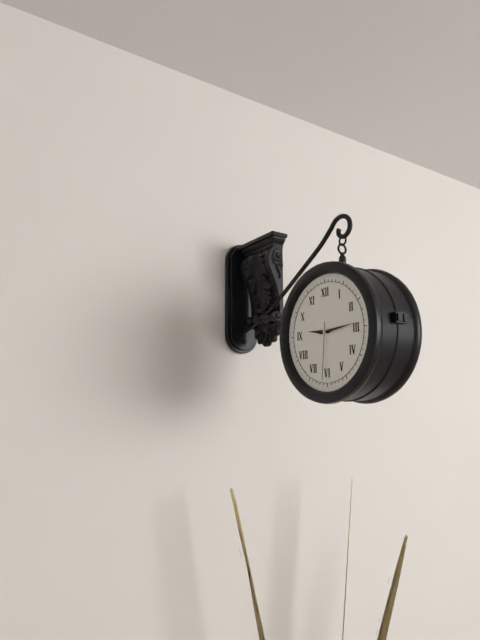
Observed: 9.14.31
